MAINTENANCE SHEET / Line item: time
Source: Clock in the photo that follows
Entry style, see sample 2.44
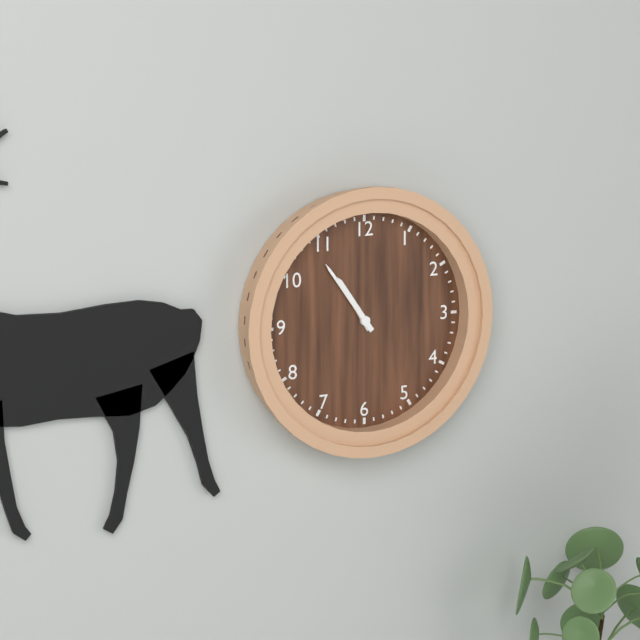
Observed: 10.54
